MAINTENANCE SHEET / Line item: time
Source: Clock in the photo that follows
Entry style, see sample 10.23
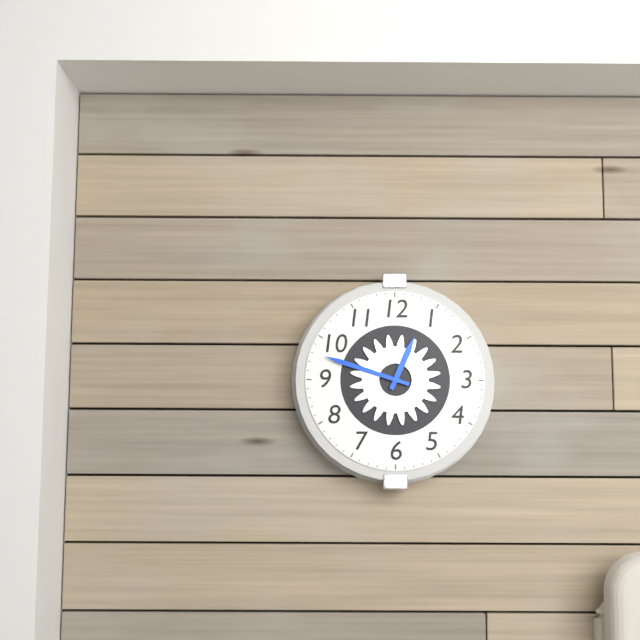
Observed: 12.48
